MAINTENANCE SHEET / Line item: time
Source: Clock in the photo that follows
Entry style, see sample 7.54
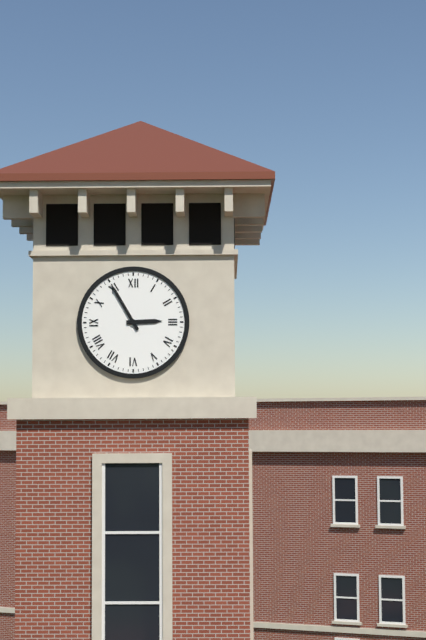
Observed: 2.55
